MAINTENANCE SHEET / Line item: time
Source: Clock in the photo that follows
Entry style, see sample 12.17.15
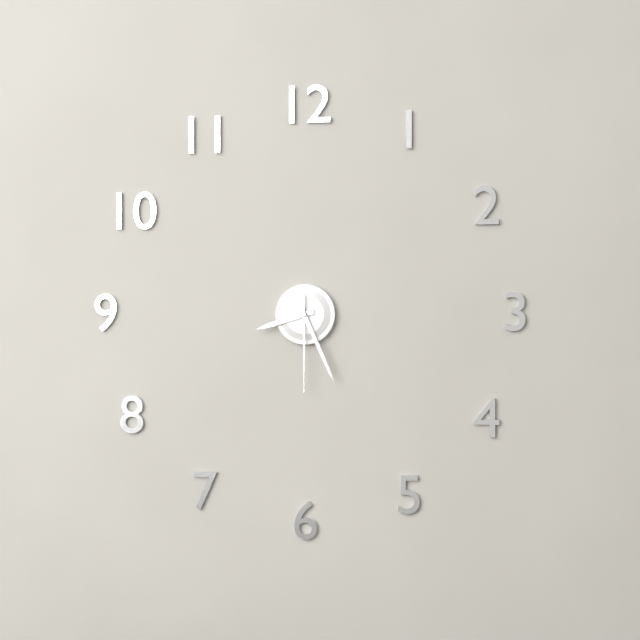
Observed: 8.26.30
